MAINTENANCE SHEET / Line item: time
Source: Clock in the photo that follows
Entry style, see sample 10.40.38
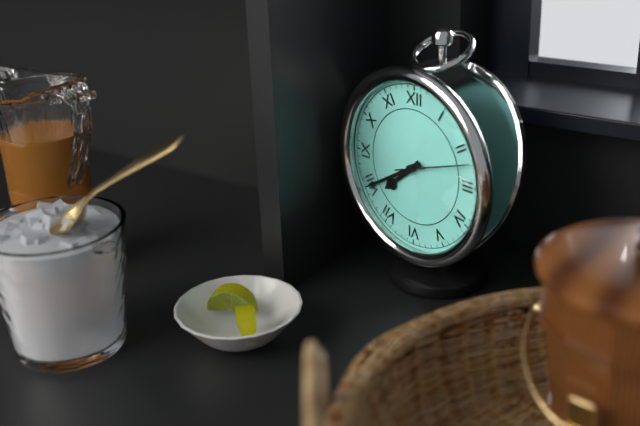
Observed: 7.40.12
